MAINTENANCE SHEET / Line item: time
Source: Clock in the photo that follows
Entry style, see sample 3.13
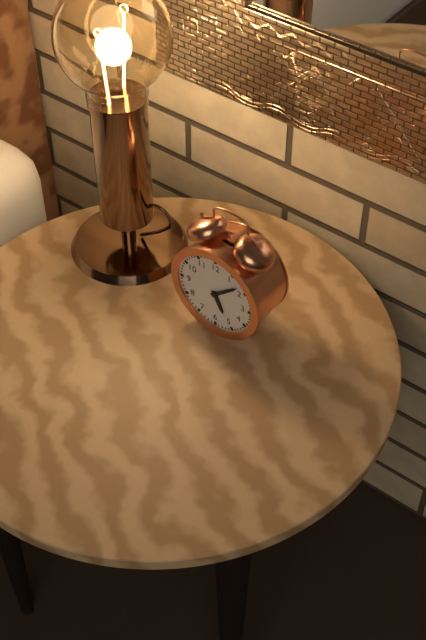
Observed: 5.08
